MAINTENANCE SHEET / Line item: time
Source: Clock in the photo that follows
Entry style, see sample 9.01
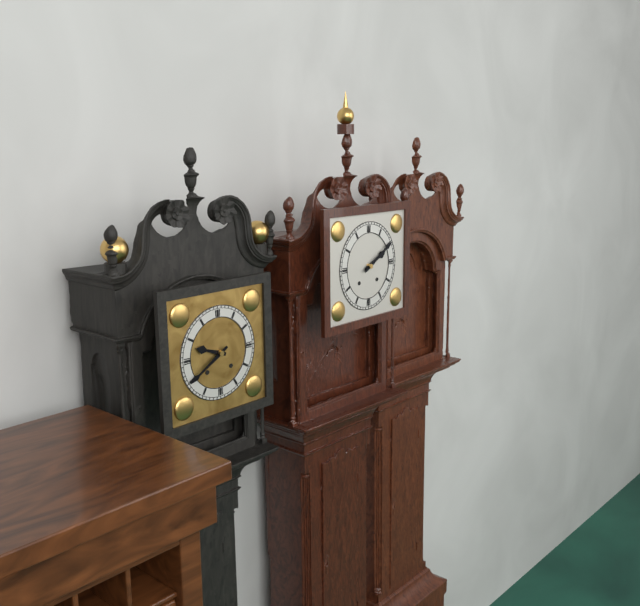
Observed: 2.10
